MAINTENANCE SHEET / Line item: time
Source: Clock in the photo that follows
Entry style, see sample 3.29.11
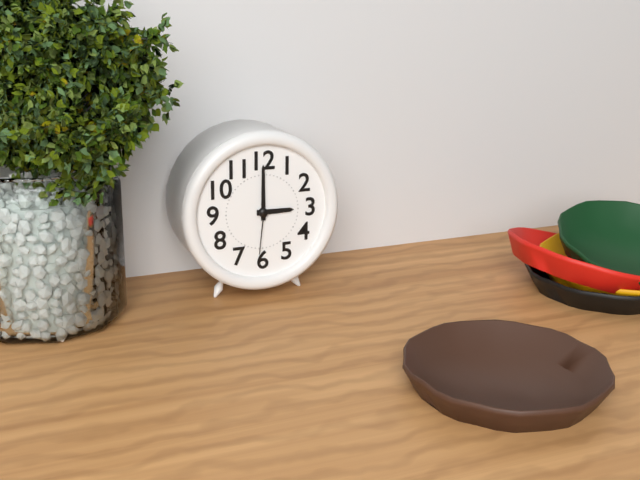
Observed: 3.00.31
